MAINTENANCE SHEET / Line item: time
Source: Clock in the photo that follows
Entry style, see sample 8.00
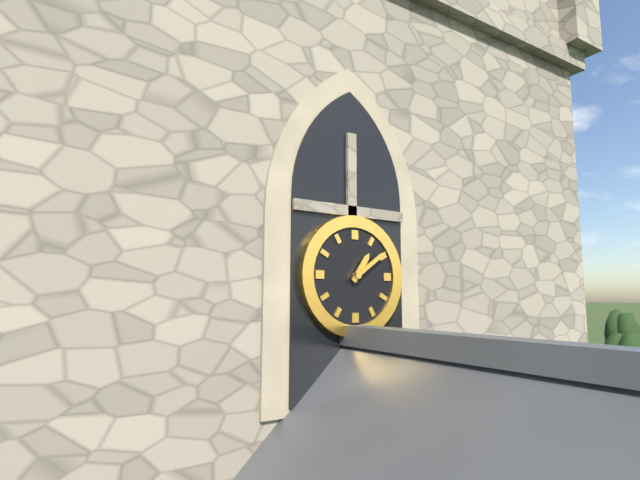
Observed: 1.09
